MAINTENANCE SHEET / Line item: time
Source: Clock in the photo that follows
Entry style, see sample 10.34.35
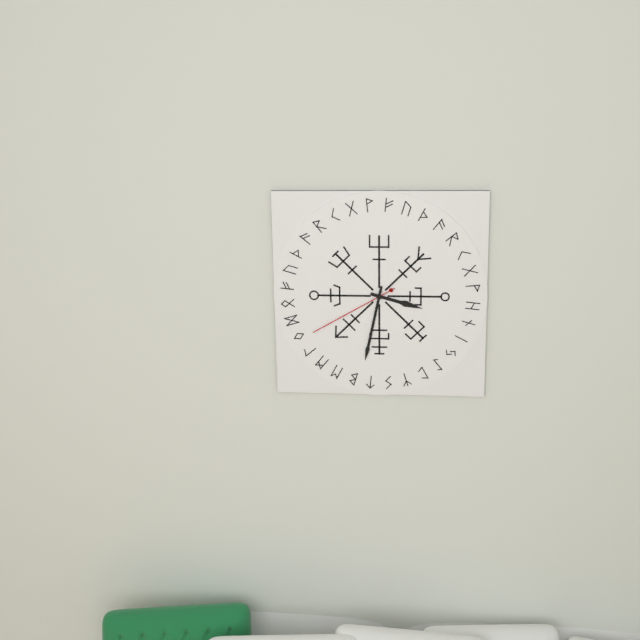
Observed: 3.32.40
